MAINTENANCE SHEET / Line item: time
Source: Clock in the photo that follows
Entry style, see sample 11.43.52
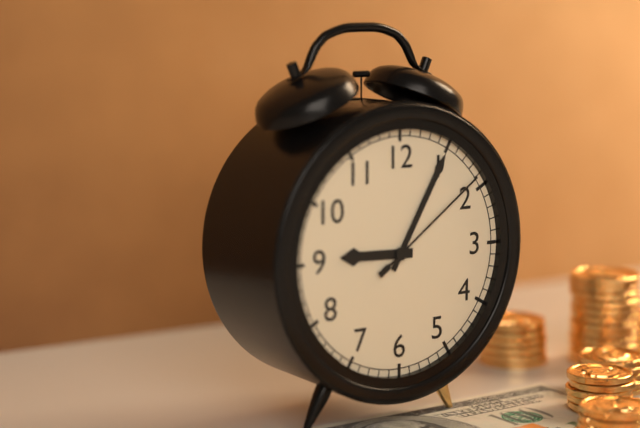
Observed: 9.05.09
